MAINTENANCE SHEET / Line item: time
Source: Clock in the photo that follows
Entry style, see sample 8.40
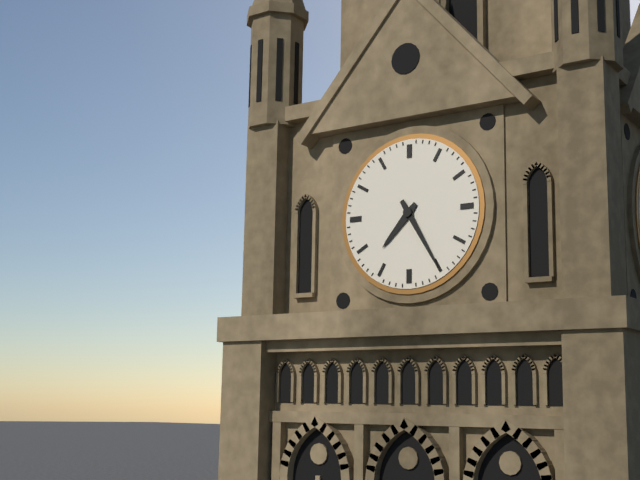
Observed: 7.25
